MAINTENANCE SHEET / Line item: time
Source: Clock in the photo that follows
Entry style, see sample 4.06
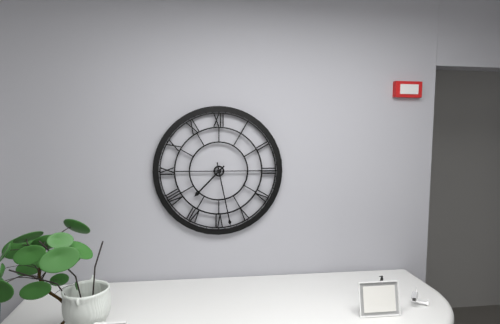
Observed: 7.28
